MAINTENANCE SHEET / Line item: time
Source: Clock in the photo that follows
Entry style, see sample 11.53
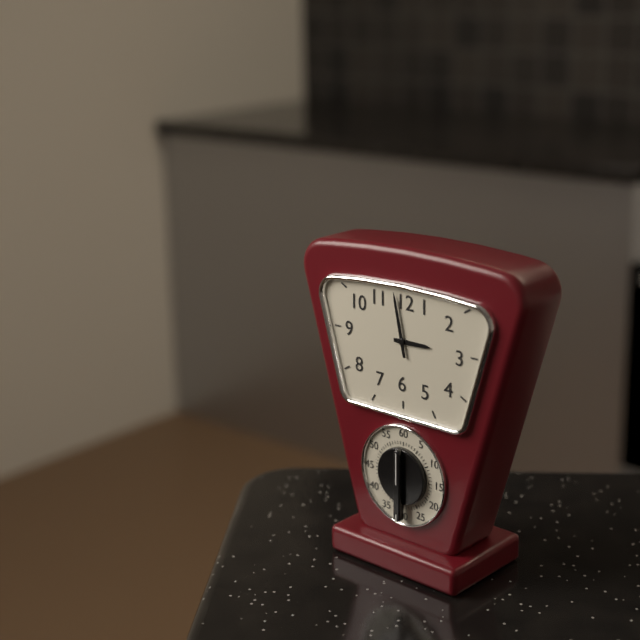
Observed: 2.58
